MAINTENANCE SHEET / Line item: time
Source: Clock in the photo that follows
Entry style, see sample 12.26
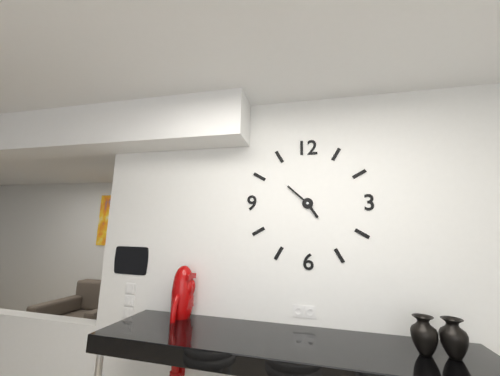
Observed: 4.52
